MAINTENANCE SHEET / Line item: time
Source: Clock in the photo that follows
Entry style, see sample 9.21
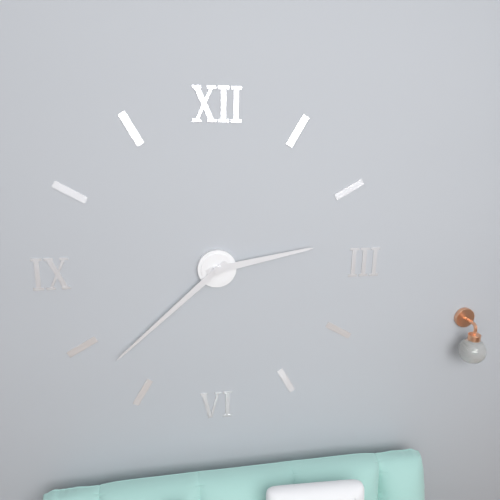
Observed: 2.38
